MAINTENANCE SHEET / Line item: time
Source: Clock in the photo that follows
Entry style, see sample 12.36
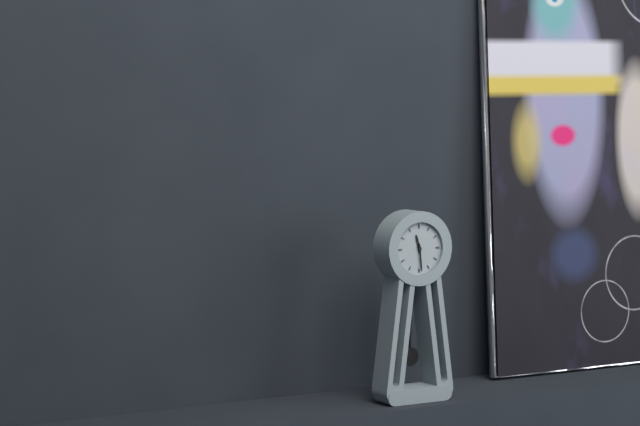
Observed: 11.29
